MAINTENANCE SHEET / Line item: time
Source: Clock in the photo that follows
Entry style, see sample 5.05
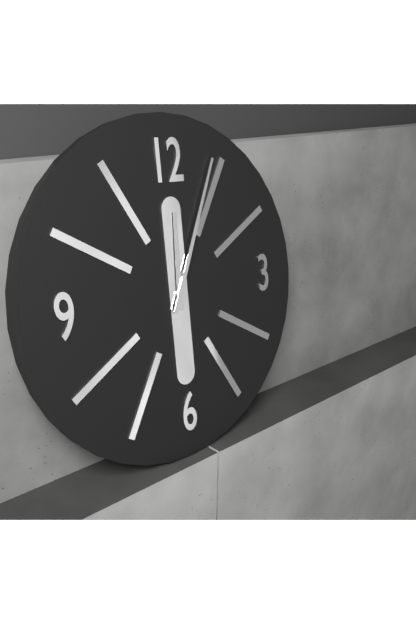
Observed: 12.04
